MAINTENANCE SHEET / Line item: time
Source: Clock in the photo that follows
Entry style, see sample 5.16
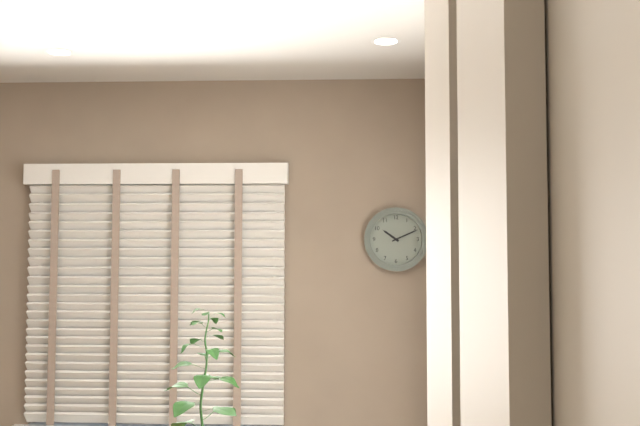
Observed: 10.11
